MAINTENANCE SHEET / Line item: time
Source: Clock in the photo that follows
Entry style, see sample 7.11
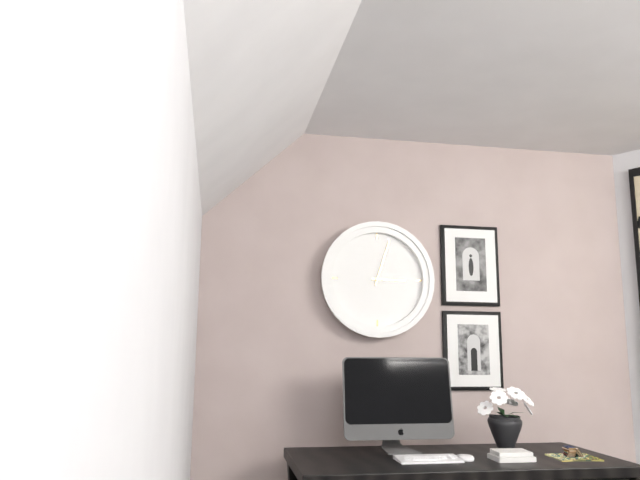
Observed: 3.03
